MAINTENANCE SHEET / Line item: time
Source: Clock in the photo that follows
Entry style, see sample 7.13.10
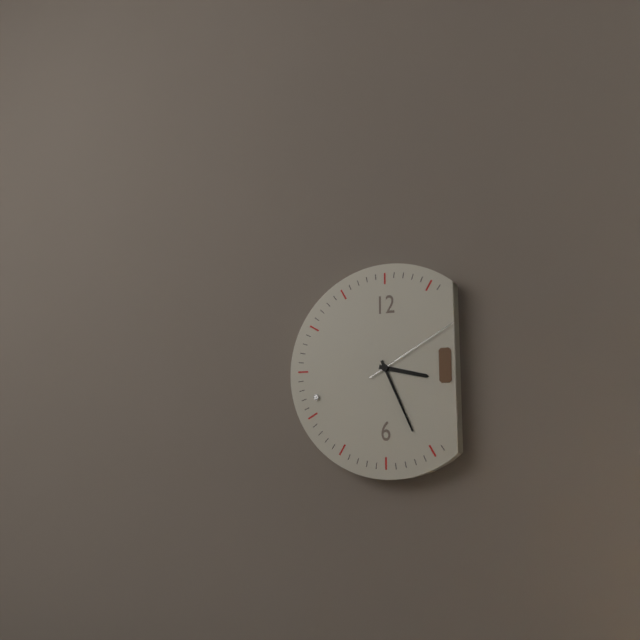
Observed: 3.26.10
